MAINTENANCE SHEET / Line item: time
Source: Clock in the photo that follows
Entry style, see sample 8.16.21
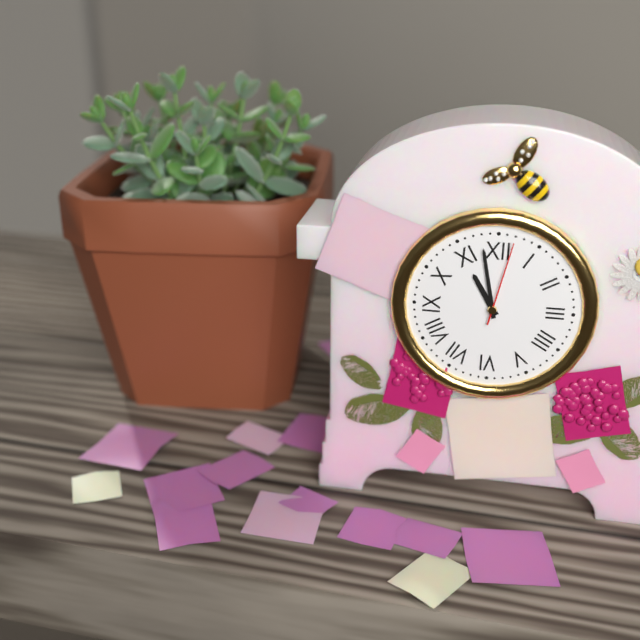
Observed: 10.58.02
